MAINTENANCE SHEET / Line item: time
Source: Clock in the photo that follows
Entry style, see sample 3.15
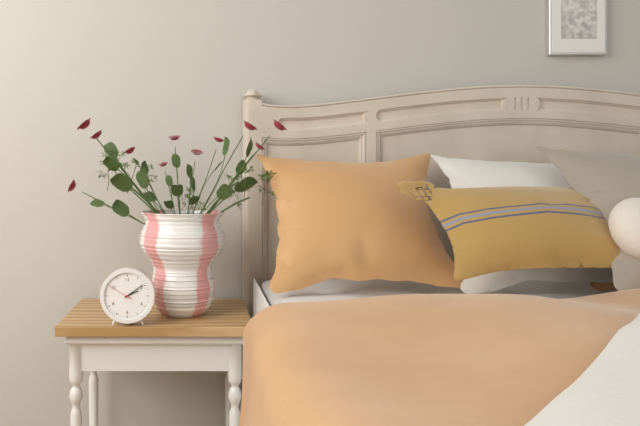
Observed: 2.09
